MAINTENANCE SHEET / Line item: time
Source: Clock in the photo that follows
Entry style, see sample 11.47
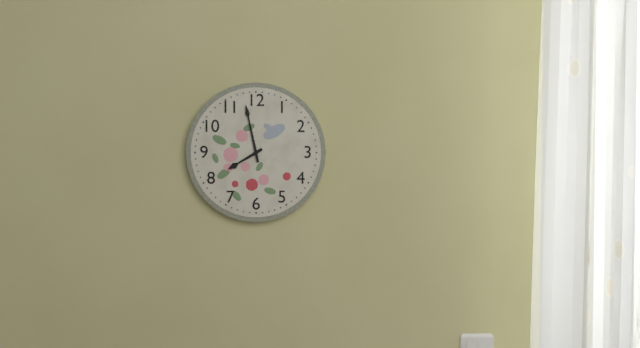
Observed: 7.58
